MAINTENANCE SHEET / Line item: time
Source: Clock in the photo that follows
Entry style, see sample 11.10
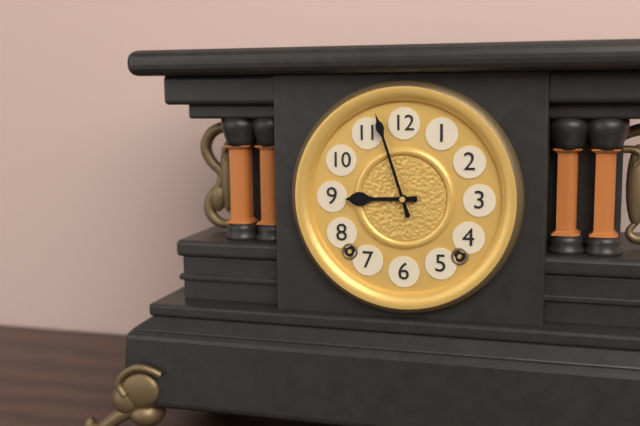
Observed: 8.57
